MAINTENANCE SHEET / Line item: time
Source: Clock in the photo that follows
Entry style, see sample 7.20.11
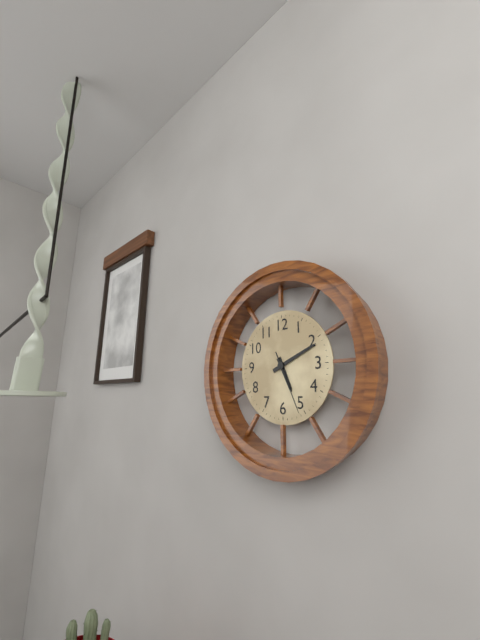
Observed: 5.11.26
